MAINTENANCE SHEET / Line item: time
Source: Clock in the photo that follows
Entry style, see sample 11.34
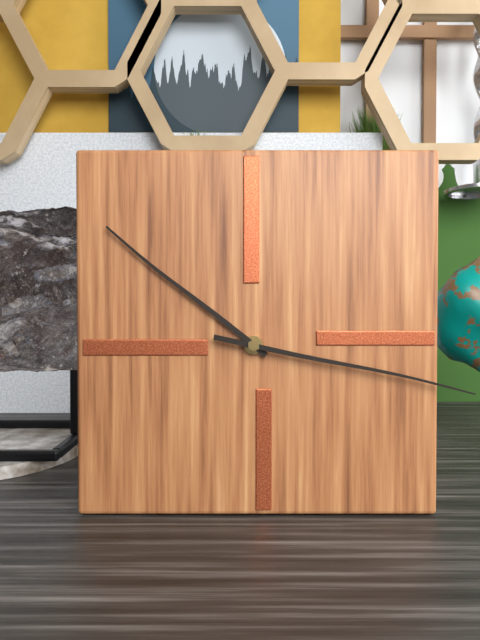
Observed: 10.17
